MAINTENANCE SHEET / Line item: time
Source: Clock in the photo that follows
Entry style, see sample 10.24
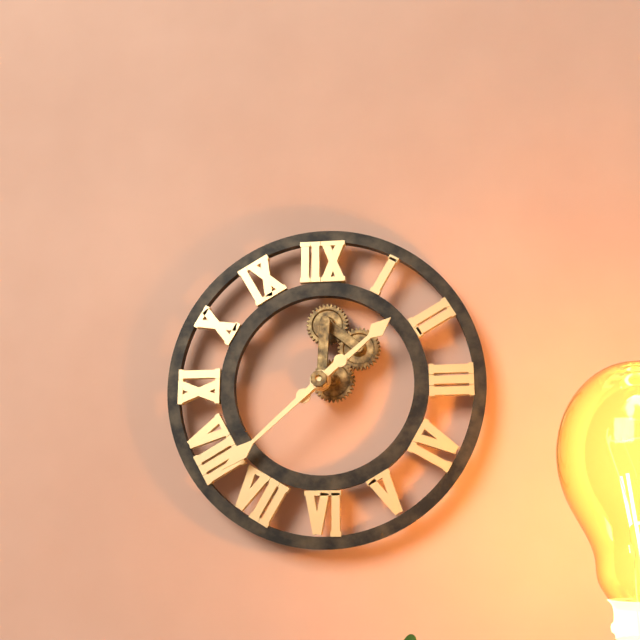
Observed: 1.38
